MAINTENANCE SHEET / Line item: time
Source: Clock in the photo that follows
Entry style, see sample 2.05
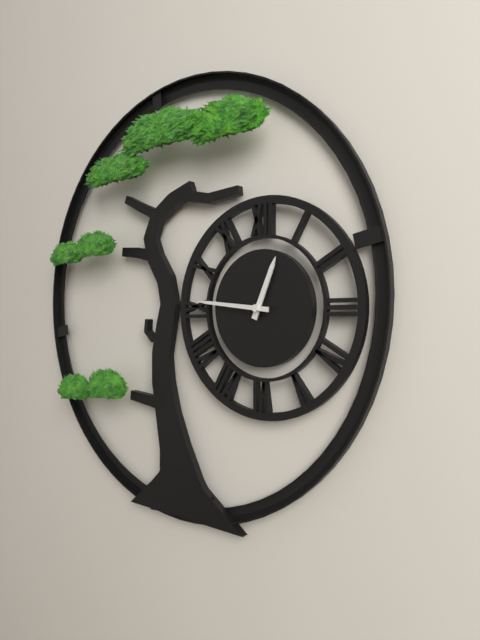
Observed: 12.46
